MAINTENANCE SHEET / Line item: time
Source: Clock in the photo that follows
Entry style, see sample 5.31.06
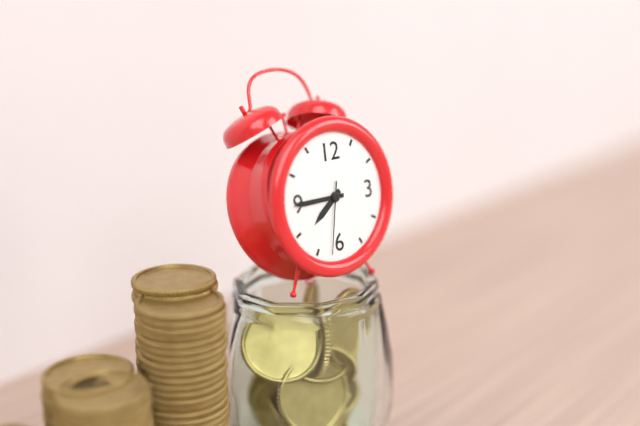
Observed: 7.45.32
